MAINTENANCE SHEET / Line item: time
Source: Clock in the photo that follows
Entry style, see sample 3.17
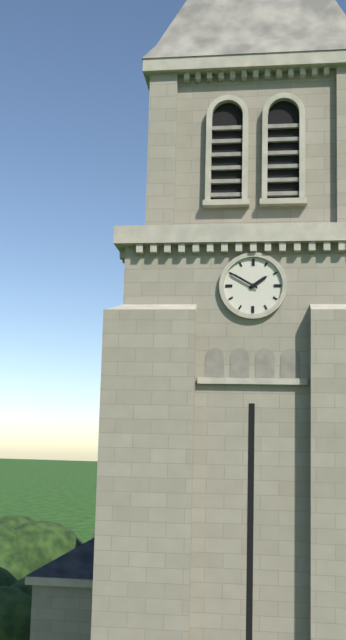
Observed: 1.50
